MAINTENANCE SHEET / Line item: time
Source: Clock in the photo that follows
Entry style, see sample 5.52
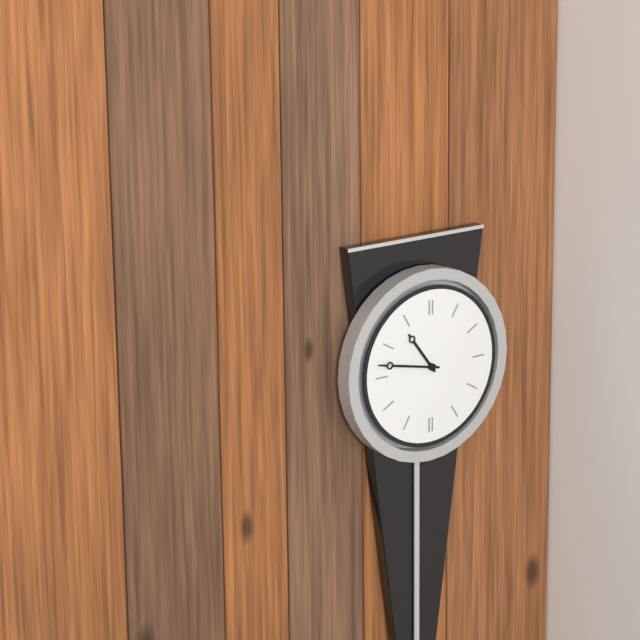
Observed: 10.47
